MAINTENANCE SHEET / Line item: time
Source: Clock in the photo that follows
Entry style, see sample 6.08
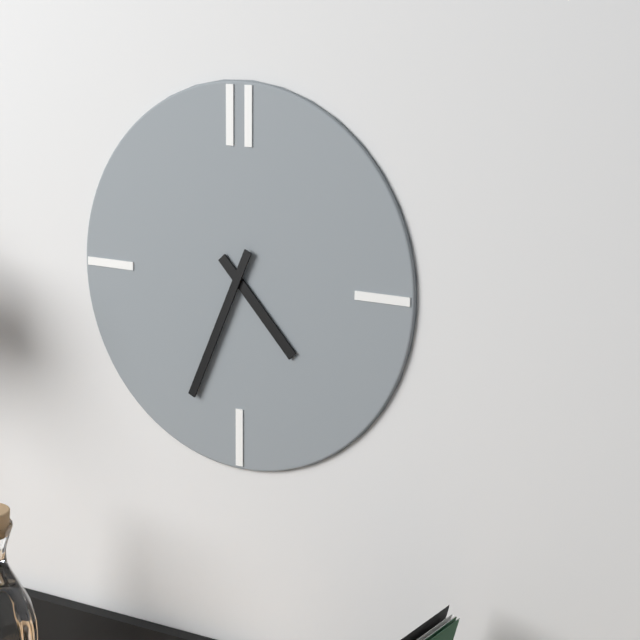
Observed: 4.34
